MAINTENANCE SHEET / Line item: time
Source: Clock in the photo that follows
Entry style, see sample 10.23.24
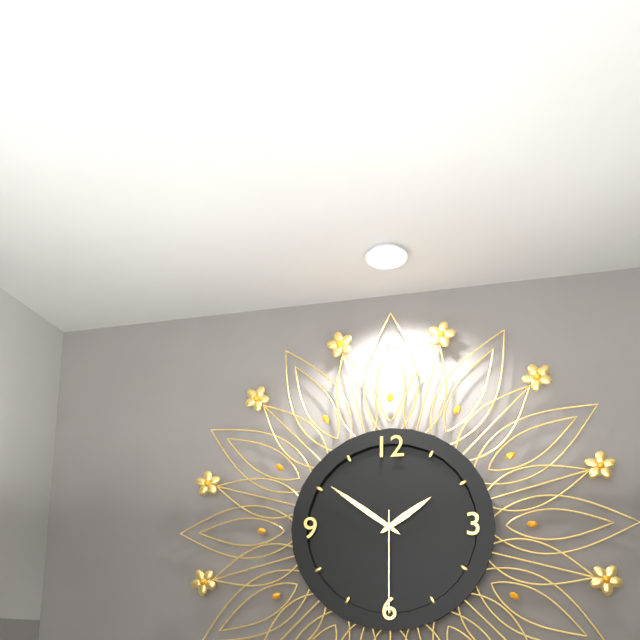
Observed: 1.51.30
